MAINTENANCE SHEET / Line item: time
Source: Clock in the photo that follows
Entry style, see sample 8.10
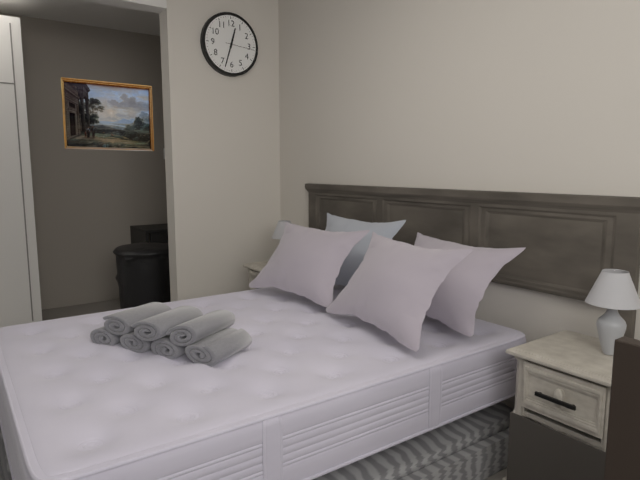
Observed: 12.33
